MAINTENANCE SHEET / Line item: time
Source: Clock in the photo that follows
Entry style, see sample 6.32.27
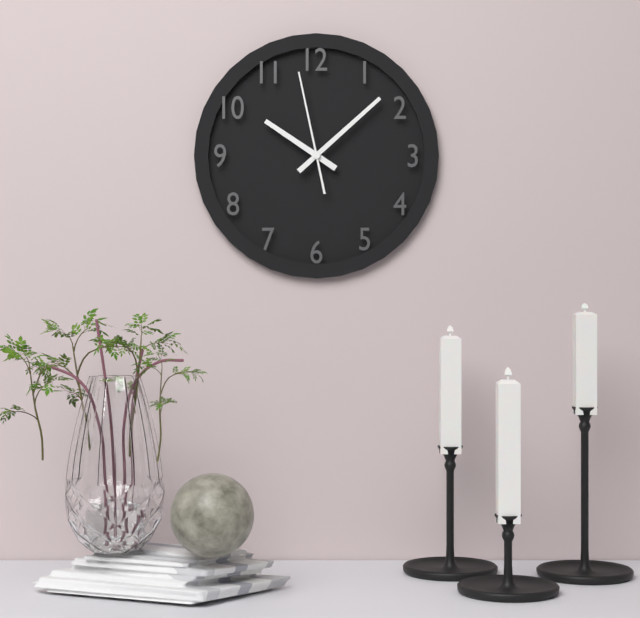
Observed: 10.08.58
